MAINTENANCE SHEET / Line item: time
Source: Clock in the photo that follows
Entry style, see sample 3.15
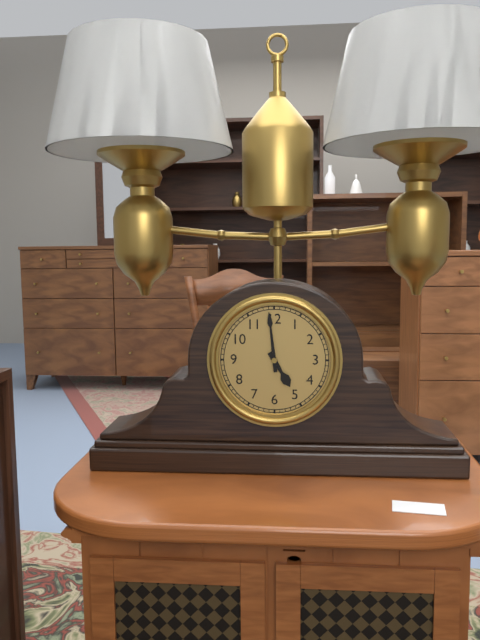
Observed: 4.59
